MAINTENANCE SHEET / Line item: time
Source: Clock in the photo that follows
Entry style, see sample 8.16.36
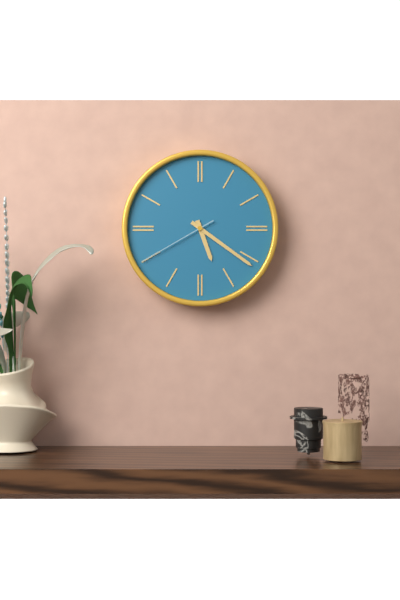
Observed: 5.21.40
